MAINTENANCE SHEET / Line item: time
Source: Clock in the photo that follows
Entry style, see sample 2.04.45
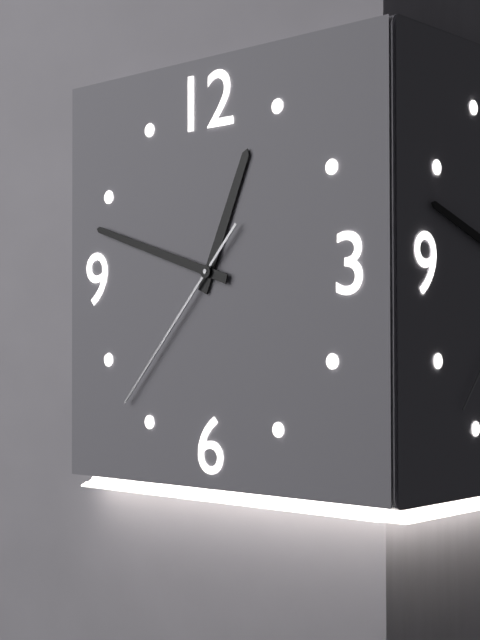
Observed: 12.48.37
